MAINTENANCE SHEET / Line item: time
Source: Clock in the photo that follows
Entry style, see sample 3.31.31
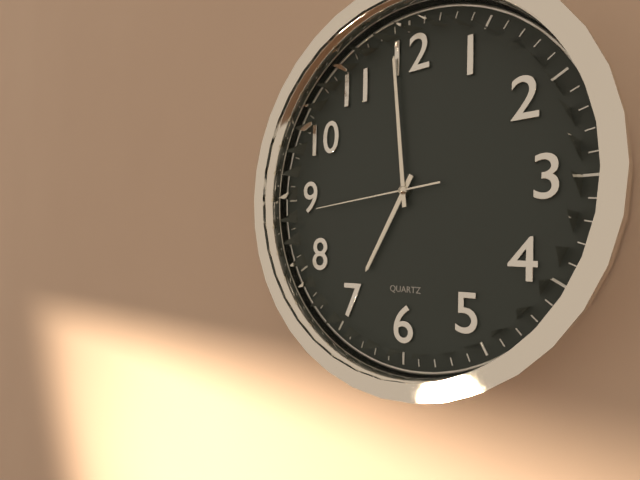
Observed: 6.59.44
